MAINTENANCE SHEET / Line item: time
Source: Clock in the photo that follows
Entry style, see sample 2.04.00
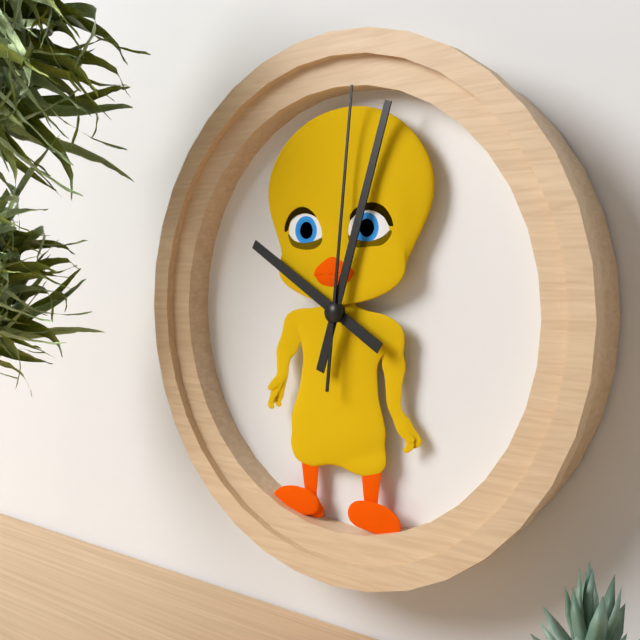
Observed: 10.03.01
